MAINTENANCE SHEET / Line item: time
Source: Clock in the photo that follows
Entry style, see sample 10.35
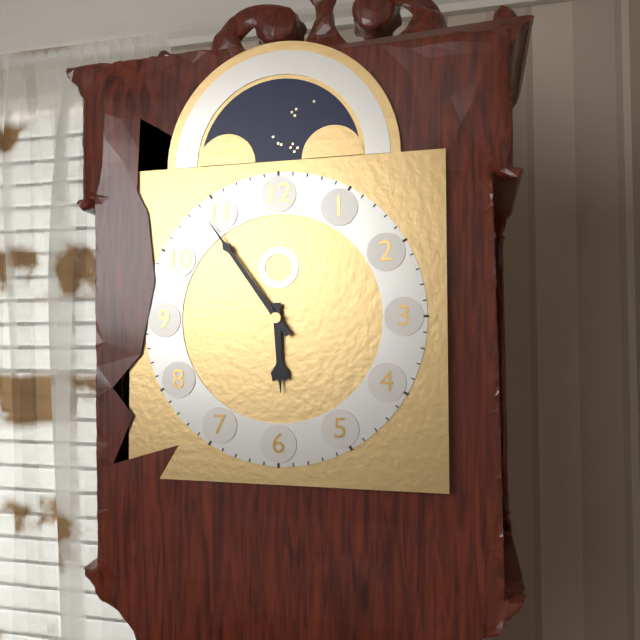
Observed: 5.54
